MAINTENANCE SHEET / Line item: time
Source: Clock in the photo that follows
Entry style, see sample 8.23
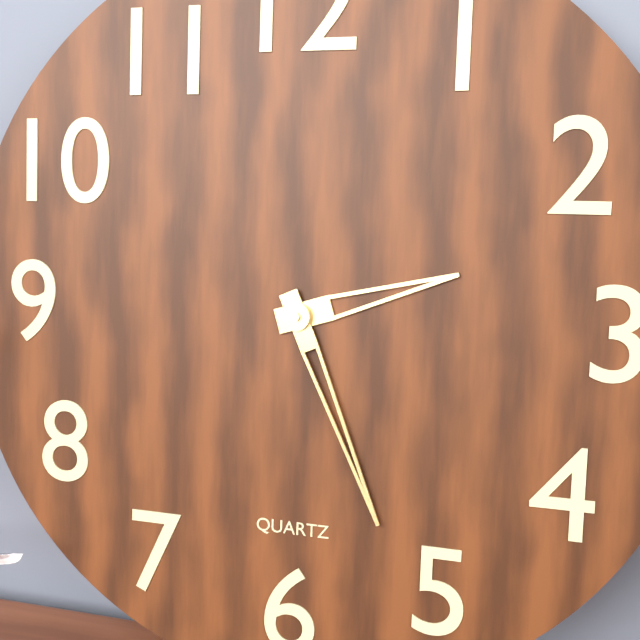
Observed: 2.26
